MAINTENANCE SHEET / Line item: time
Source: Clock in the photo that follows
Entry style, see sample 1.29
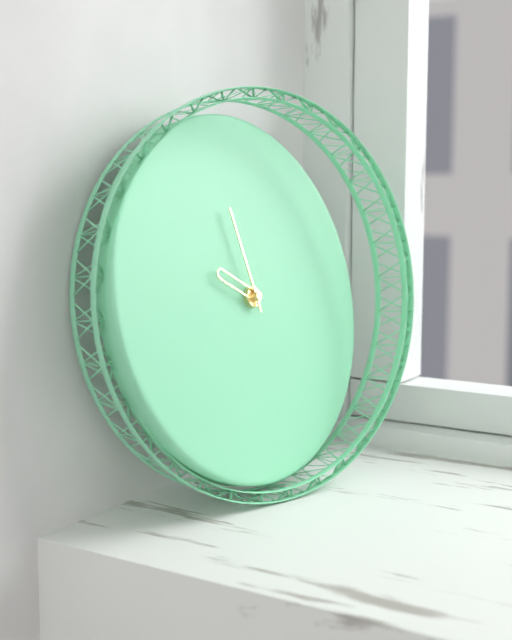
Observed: 9.58
